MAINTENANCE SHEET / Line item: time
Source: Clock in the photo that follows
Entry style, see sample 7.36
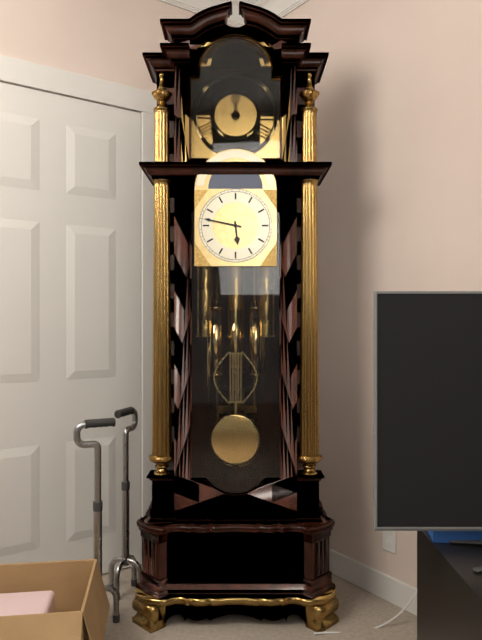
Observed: 5.47
